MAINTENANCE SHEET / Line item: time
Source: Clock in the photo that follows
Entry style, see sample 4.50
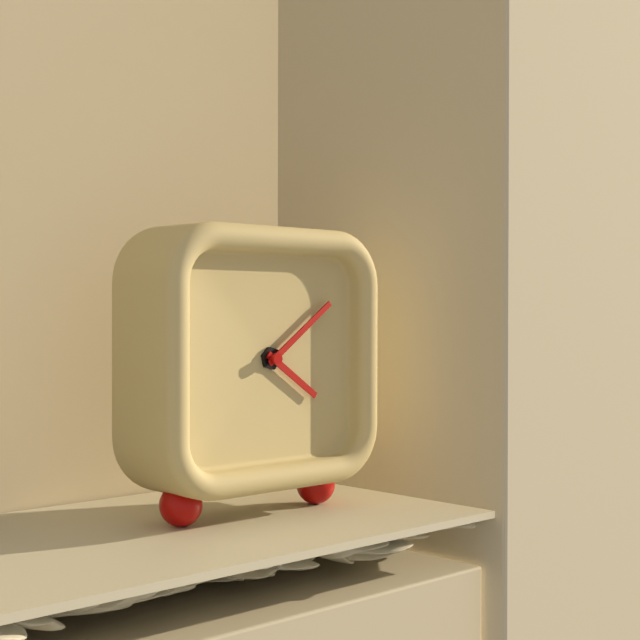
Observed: 4.09
